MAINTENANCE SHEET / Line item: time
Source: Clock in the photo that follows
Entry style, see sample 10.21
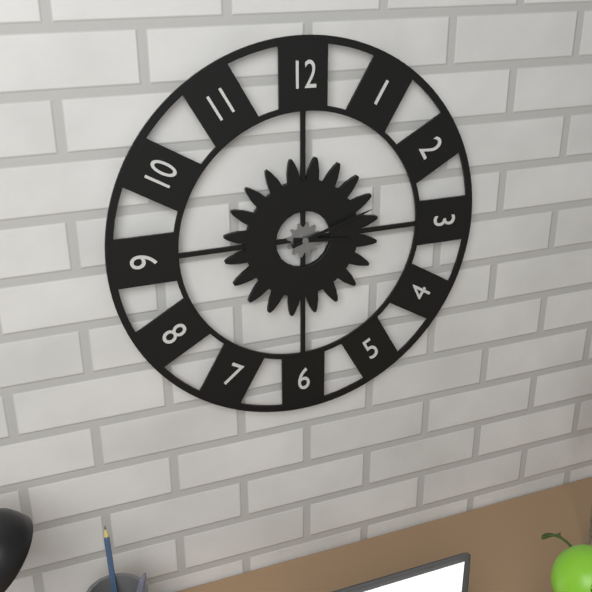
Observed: 3.12
